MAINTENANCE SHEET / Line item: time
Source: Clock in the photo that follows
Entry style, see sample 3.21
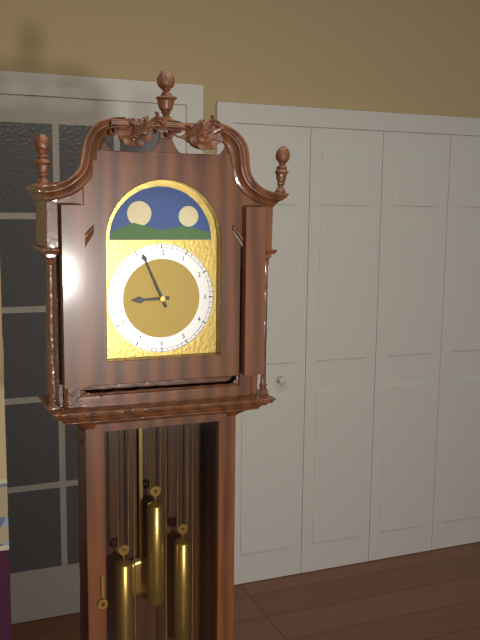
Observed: 8.56
